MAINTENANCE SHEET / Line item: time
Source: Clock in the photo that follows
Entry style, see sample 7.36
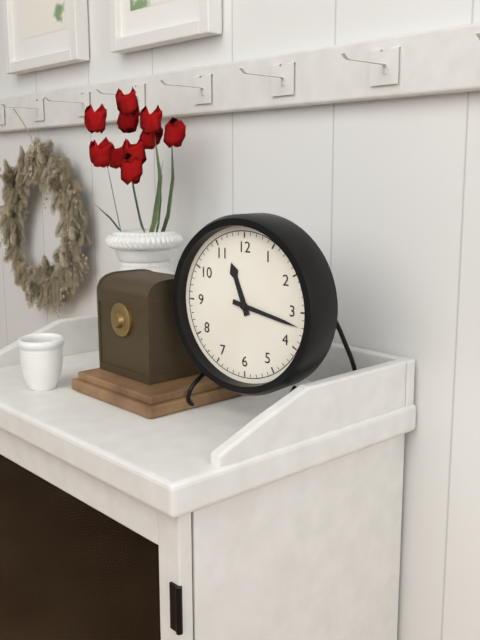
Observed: 11.17
